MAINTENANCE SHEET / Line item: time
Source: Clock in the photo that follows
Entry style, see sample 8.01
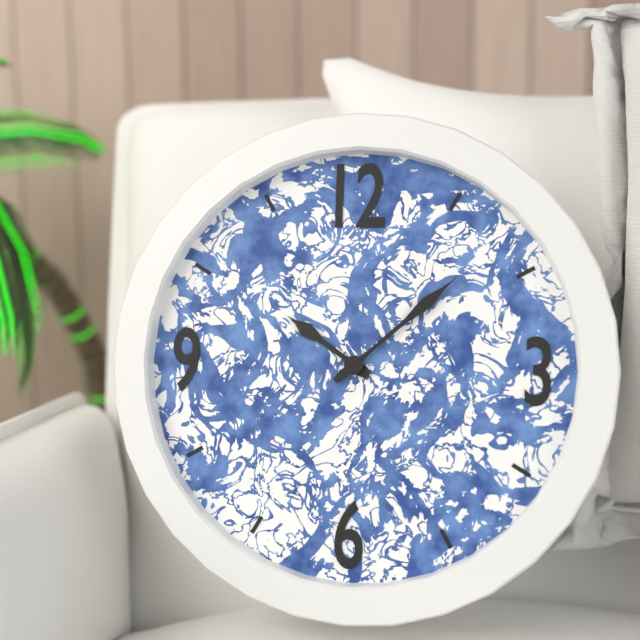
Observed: 10.08
